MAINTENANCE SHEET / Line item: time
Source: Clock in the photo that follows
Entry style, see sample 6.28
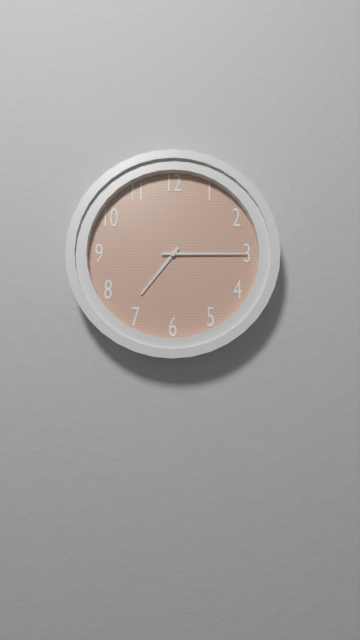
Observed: 7.15
